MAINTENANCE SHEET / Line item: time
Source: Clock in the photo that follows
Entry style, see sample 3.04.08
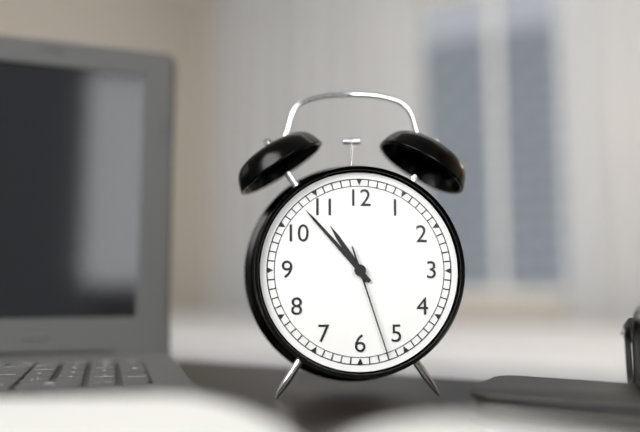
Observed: 10.53.27
